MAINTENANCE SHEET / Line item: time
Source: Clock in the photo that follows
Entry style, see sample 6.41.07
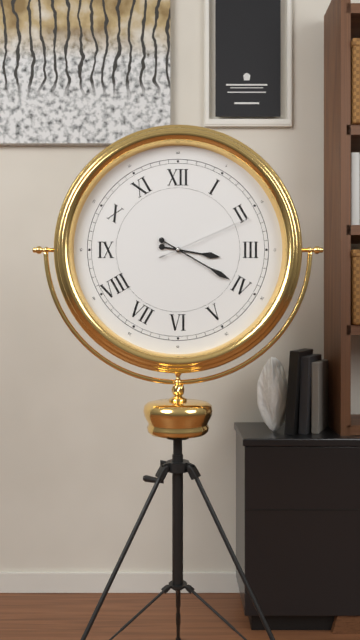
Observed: 3.20.11
